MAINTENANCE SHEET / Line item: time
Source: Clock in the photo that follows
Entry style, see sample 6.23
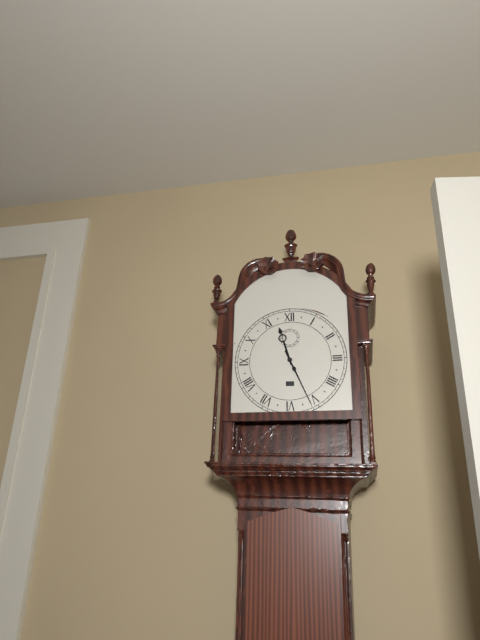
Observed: 11.26
